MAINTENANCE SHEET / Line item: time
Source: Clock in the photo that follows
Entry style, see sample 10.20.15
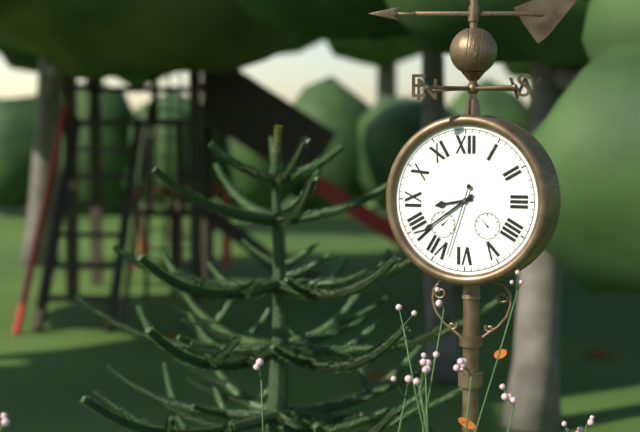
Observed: 8.39.33
